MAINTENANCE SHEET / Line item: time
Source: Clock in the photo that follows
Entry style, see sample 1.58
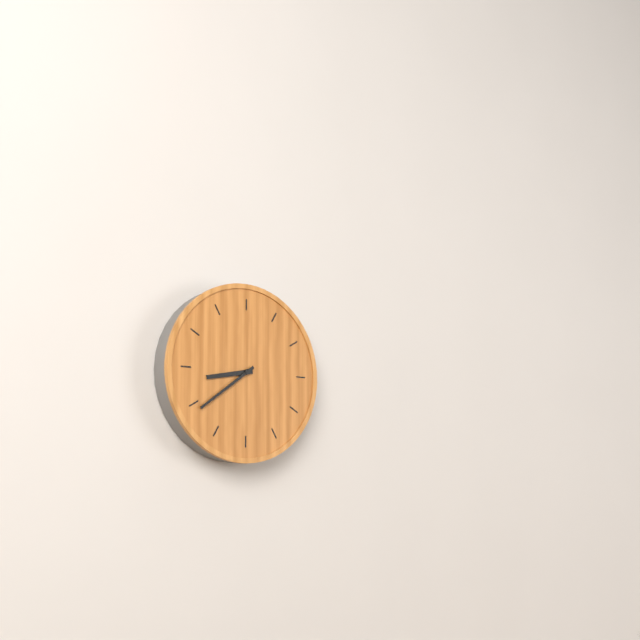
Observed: 8.39
